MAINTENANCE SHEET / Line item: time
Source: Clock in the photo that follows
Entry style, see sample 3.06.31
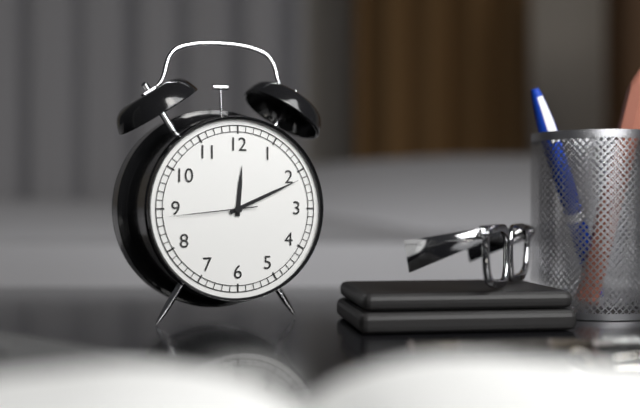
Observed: 12.11.44
